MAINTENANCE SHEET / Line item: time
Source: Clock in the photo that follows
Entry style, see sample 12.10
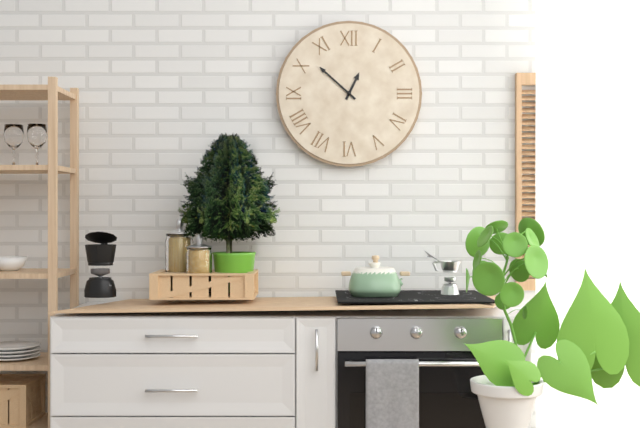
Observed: 12.52
